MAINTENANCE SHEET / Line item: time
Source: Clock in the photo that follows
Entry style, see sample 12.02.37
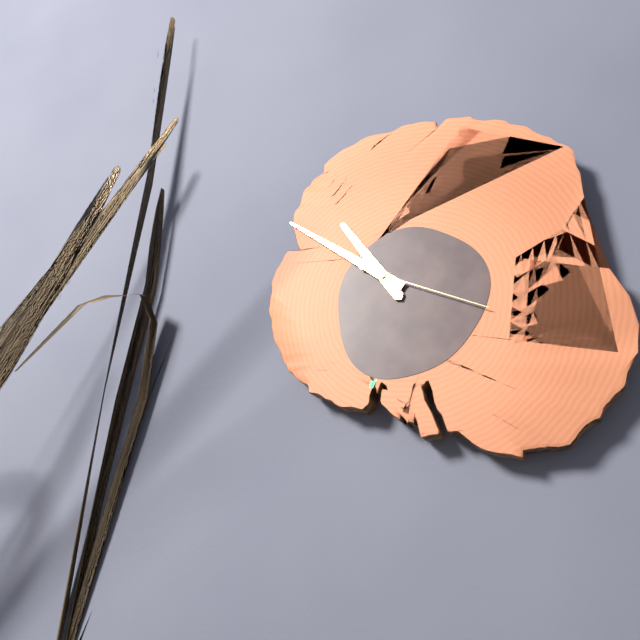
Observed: 10.51.19
